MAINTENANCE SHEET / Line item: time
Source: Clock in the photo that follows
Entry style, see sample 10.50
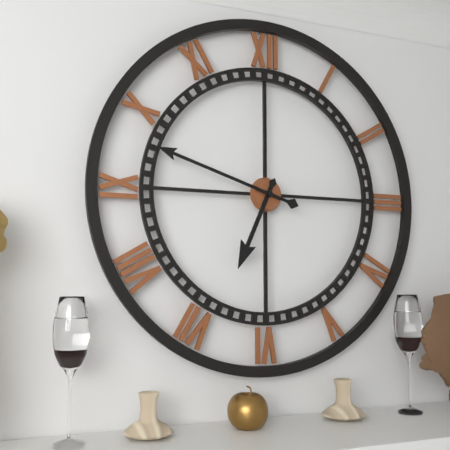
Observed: 6.48
